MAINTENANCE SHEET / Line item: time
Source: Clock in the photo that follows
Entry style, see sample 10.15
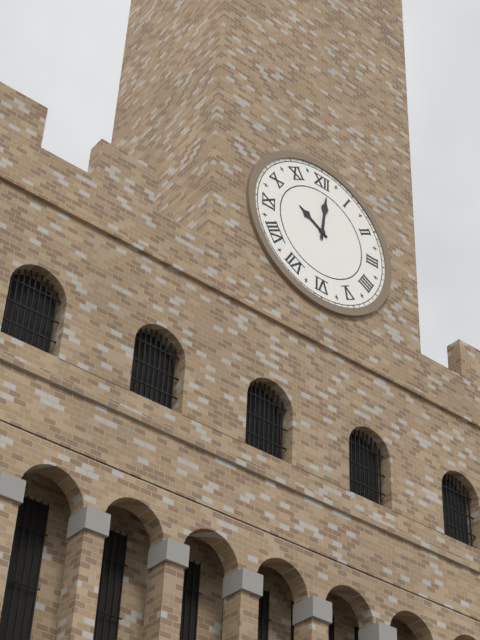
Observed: 10.01
